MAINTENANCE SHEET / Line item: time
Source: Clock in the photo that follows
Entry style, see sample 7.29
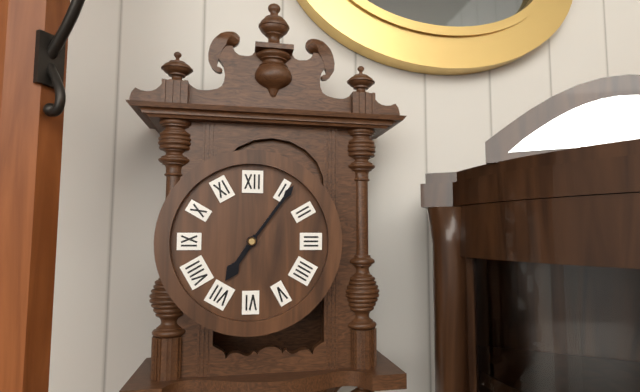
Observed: 7.06
